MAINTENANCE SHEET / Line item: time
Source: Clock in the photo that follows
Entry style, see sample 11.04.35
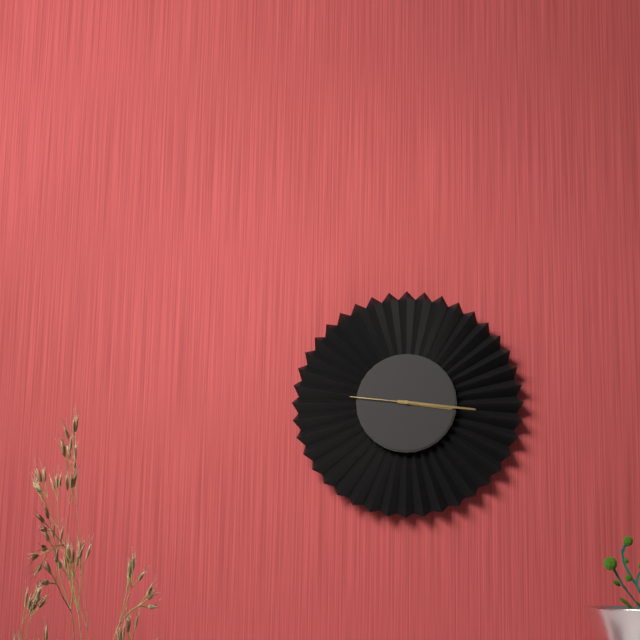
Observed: 3.16.46
